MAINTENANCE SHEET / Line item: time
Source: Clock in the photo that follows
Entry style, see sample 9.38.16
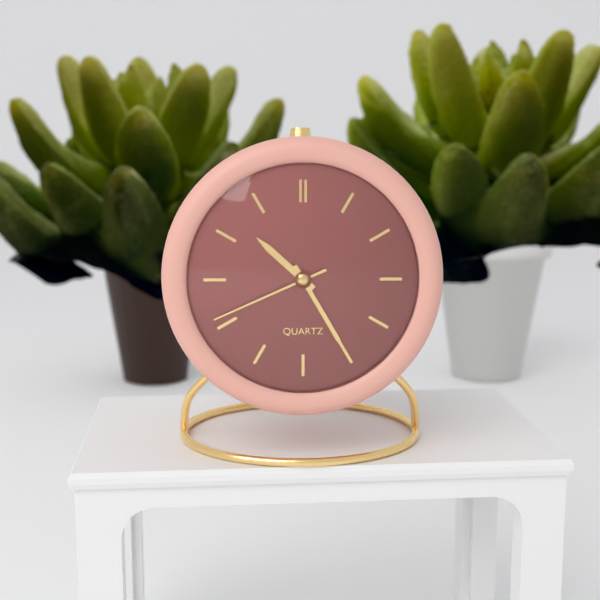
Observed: 10.25.41
